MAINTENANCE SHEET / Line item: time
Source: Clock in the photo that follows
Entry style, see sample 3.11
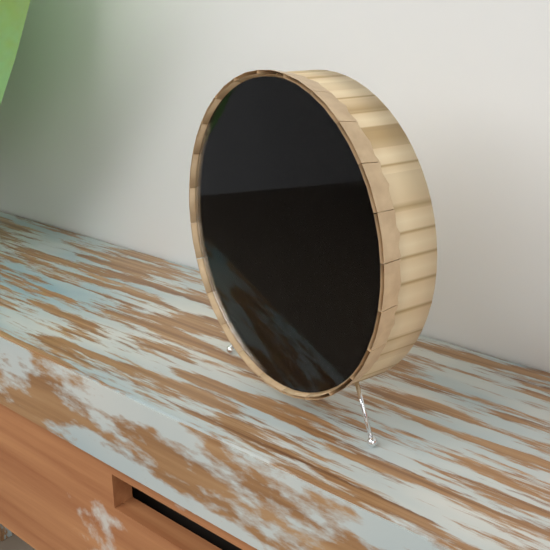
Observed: 6.47
